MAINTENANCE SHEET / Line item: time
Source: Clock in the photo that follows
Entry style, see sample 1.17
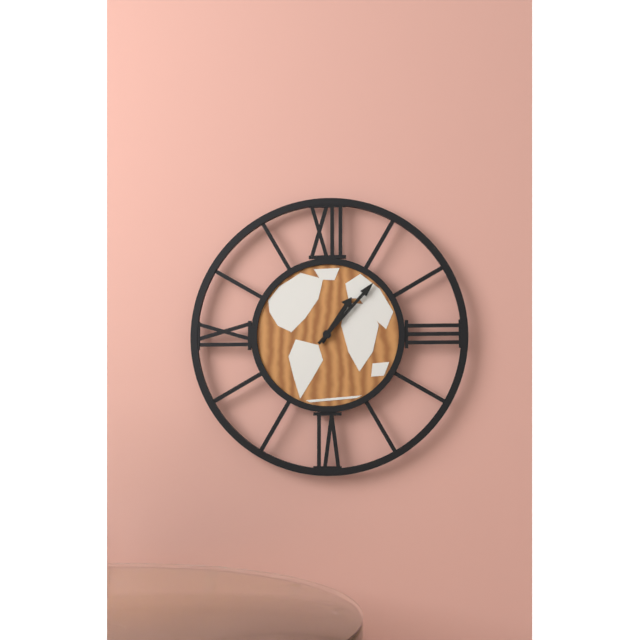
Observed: 1.07
